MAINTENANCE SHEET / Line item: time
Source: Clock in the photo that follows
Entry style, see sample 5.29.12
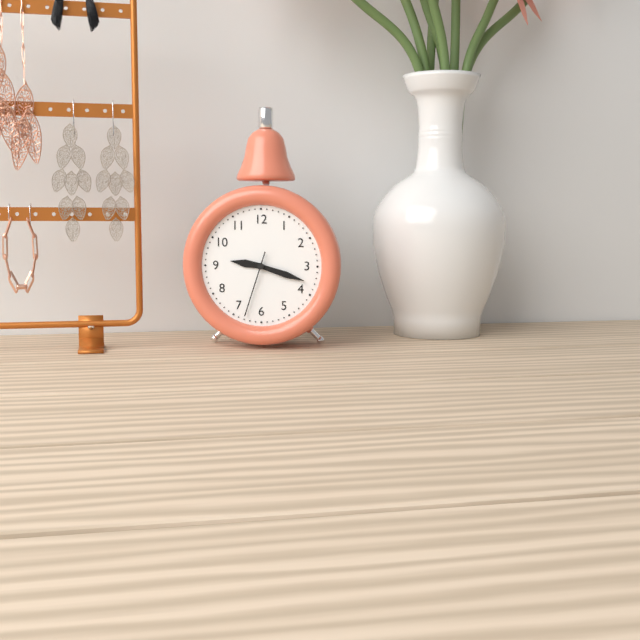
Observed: 9.18.33
